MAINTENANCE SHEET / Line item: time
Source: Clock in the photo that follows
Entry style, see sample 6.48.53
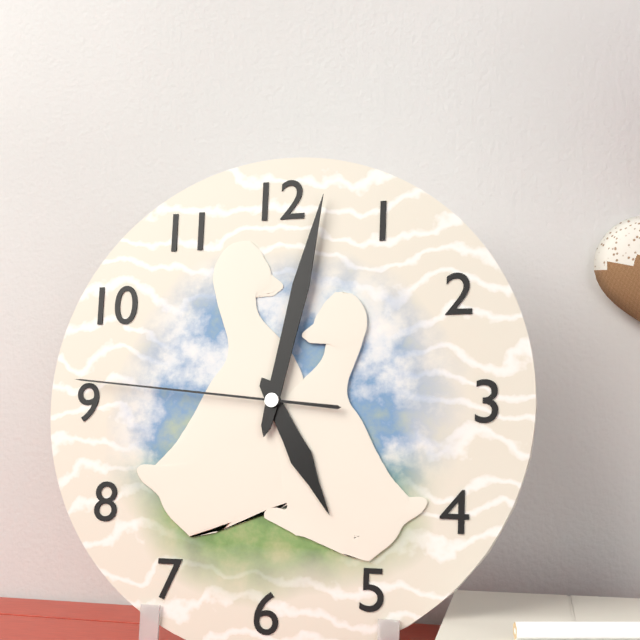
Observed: 5.02.46
